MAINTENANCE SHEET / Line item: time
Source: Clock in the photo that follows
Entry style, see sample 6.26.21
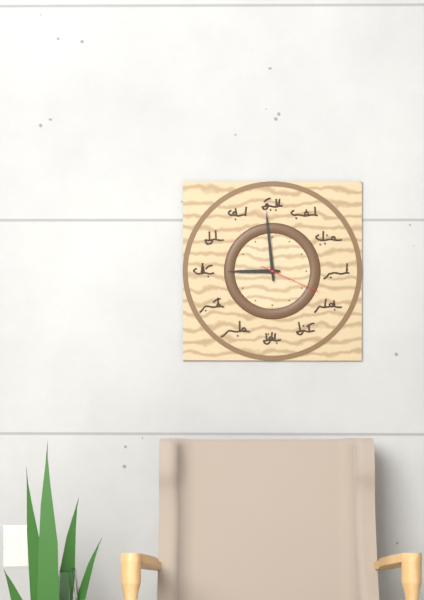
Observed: 8.59.19
